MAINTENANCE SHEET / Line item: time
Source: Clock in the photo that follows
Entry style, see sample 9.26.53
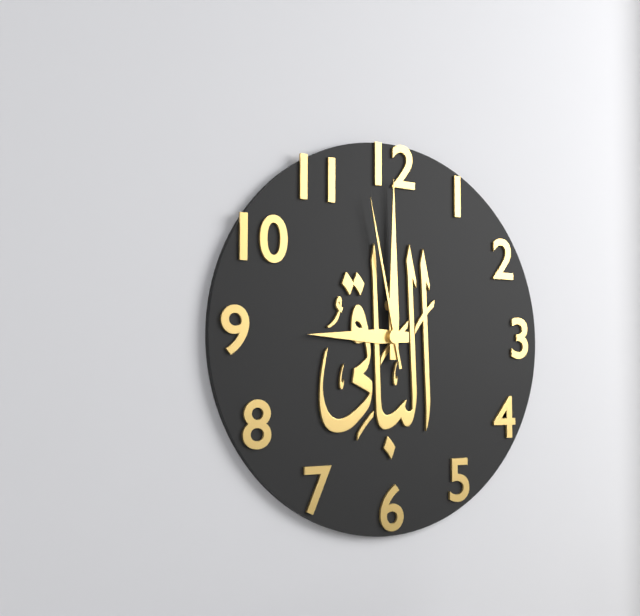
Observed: 9.00.58
